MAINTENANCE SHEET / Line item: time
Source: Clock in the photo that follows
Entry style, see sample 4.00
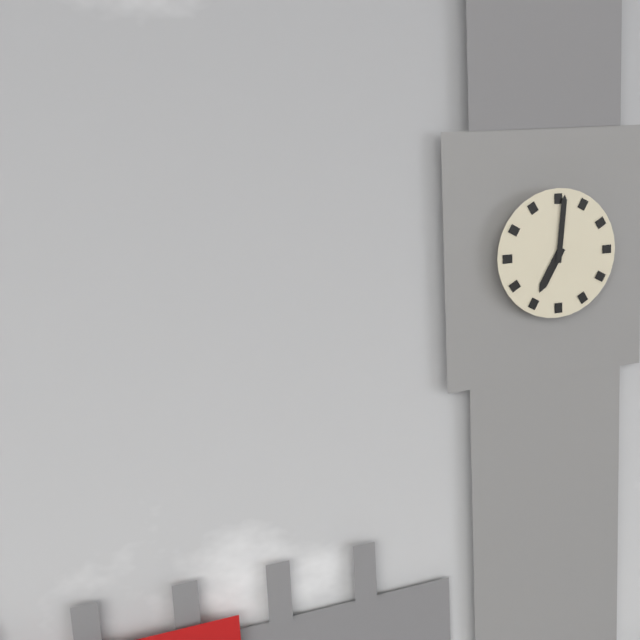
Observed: 7.01
